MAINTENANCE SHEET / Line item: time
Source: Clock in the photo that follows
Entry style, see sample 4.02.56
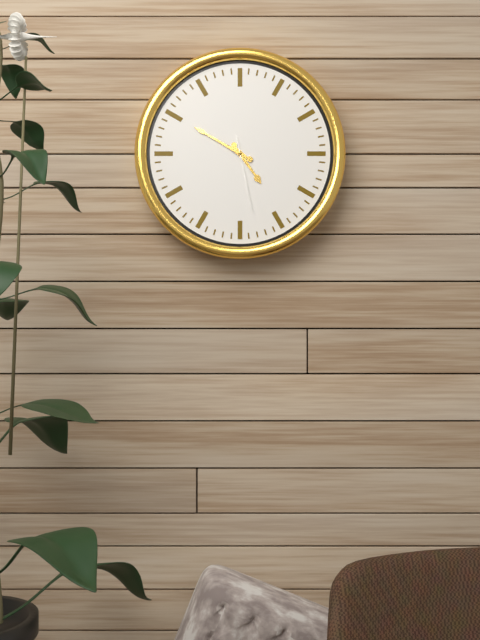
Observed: 4.50.28
